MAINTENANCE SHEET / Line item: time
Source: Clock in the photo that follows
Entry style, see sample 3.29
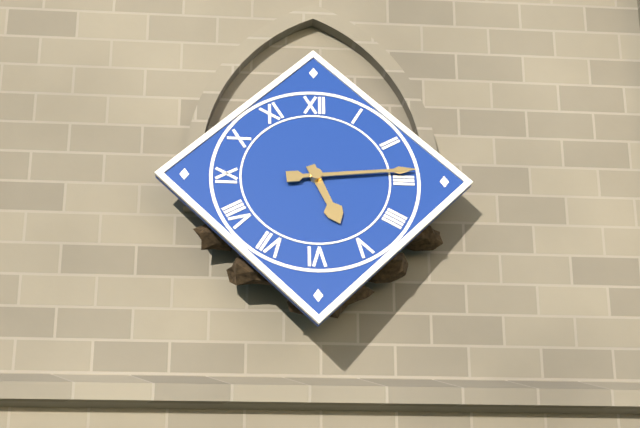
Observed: 5.14
